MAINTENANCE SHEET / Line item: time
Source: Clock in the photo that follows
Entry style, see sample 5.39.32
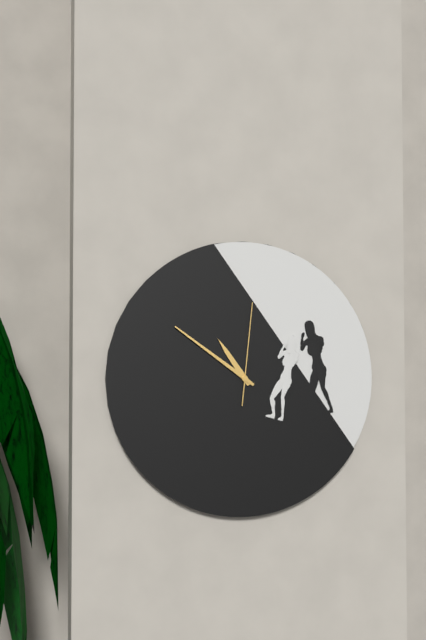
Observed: 10.51.01
